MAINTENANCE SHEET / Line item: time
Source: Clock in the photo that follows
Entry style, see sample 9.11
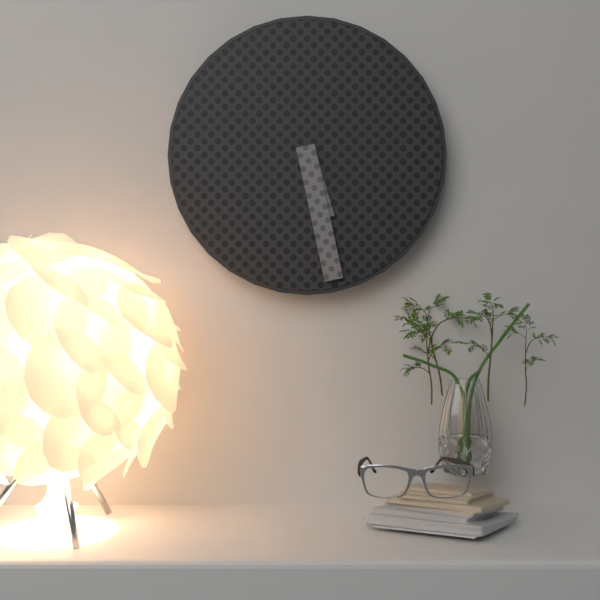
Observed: 5.28
